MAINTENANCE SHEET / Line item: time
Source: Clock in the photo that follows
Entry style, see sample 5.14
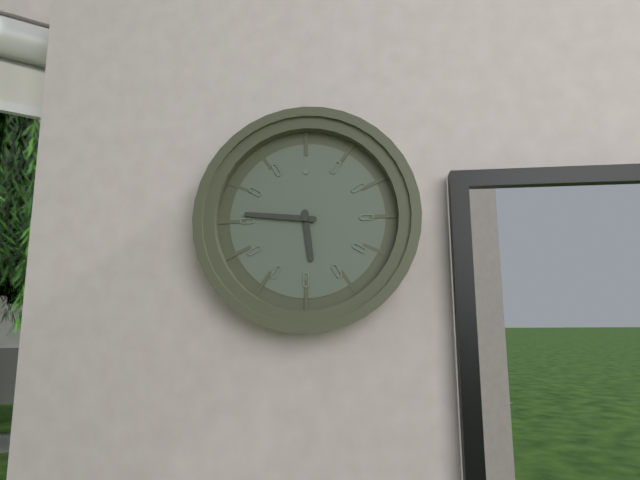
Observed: 5.46
